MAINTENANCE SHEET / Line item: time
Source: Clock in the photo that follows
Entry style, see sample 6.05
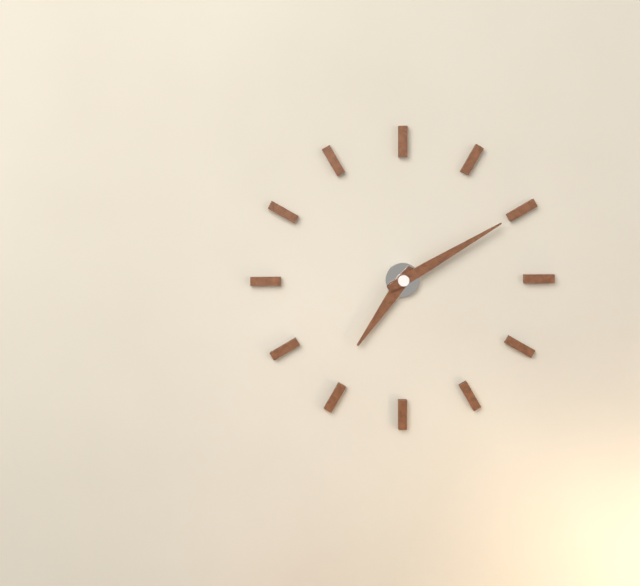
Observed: 7.10
